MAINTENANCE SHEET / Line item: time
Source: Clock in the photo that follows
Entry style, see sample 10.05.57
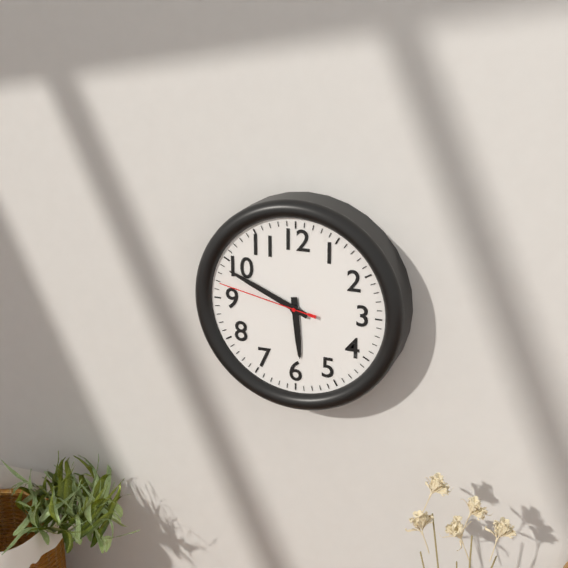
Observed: 5.49.47
